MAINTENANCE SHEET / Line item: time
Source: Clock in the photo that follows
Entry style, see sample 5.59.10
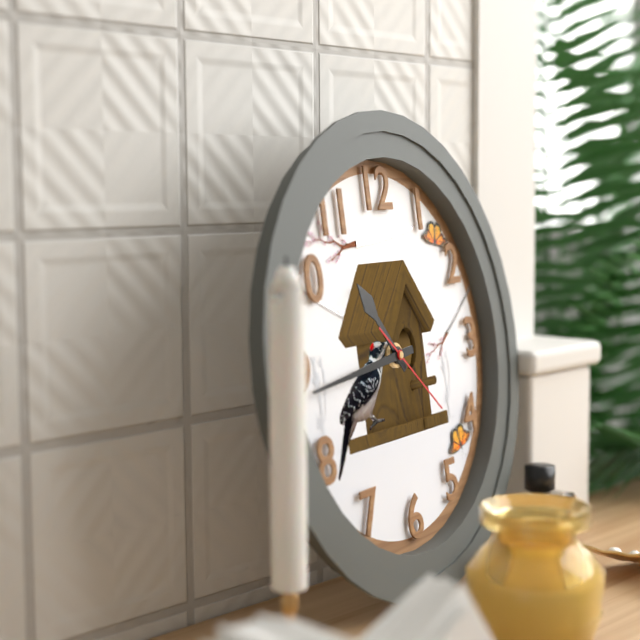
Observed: 10.44.22
